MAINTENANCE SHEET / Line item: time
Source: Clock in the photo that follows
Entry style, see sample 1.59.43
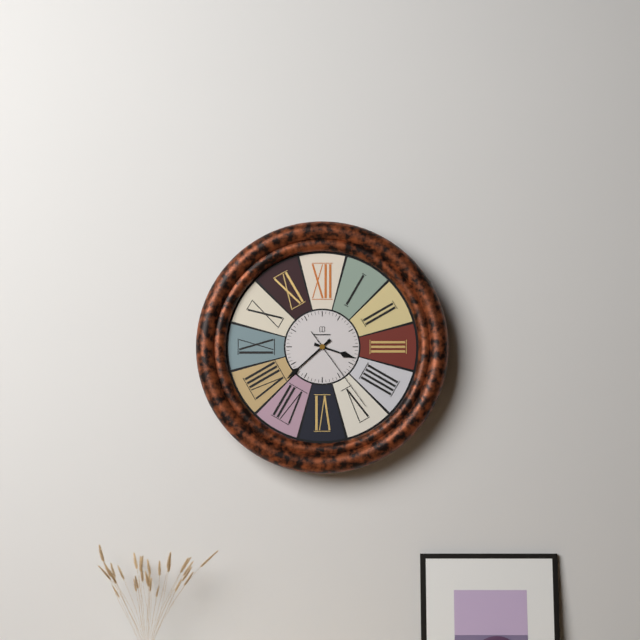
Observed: 3.38.24
